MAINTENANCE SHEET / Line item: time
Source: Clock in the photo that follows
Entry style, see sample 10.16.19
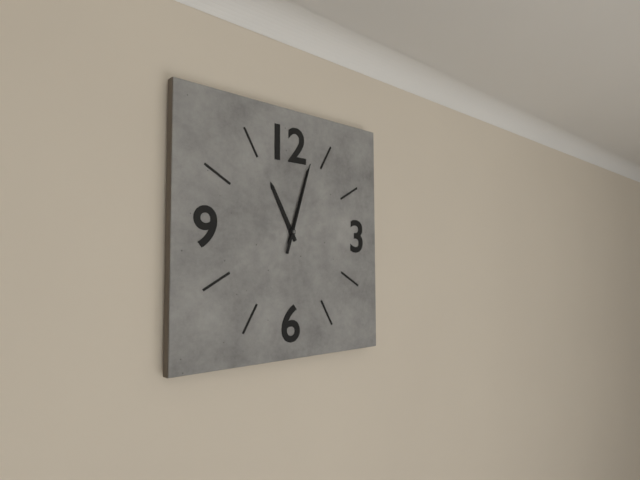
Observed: 11.03.03
